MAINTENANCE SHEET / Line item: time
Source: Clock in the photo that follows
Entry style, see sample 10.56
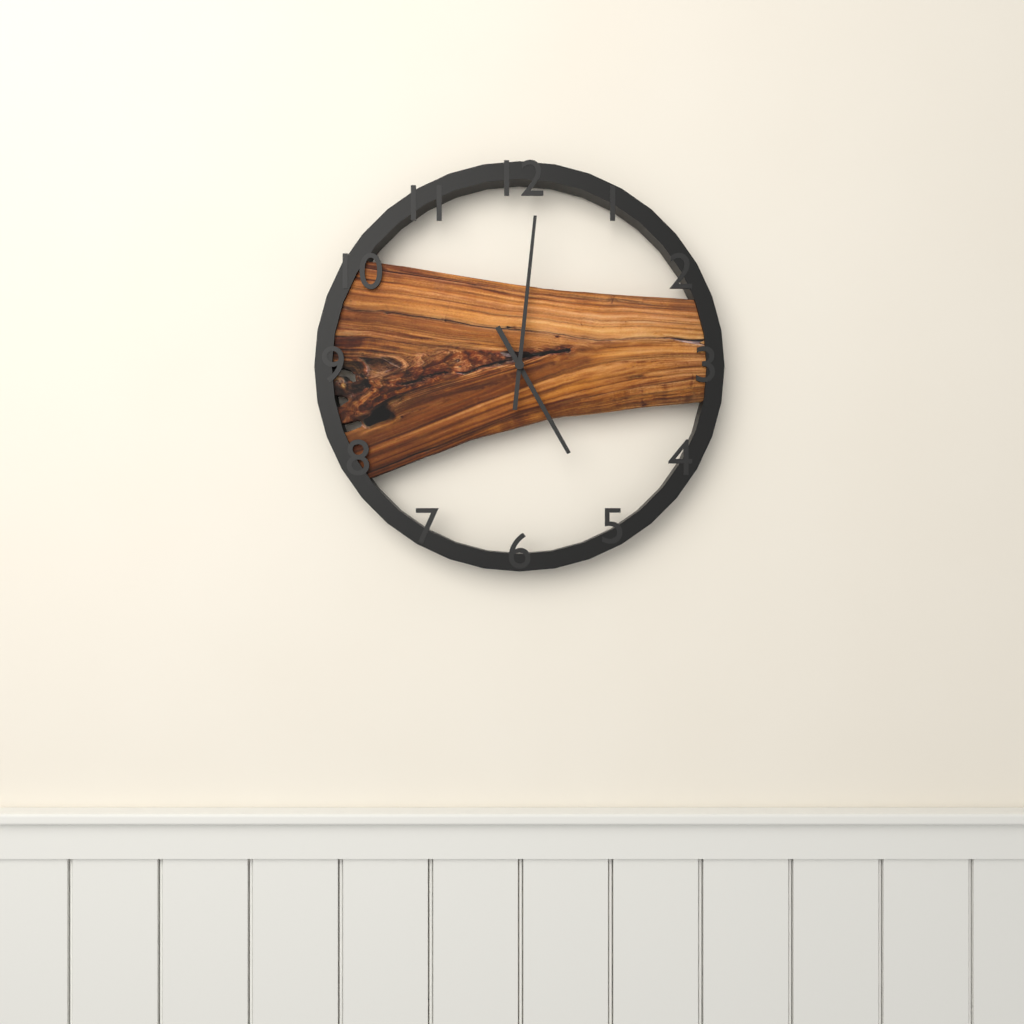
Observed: 5.01
